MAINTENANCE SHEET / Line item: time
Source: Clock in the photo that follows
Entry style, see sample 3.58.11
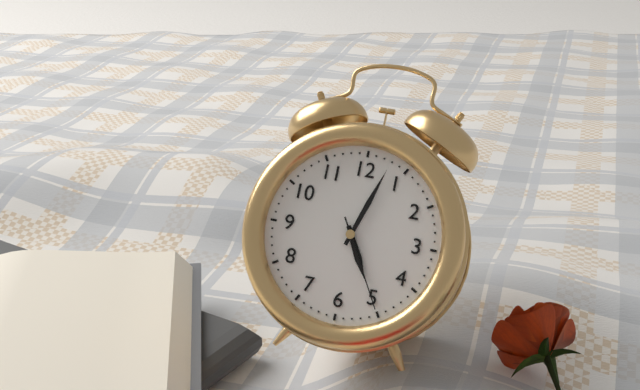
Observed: 5.03.25
